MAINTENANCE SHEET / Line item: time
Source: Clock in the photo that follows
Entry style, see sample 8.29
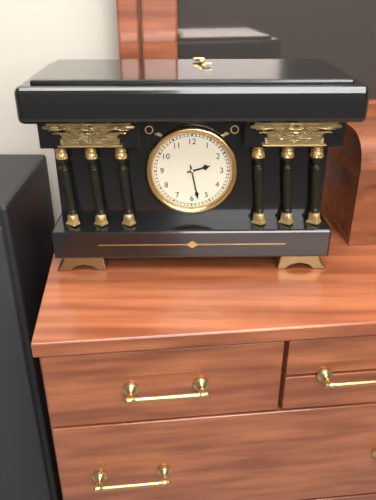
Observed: 2.28
